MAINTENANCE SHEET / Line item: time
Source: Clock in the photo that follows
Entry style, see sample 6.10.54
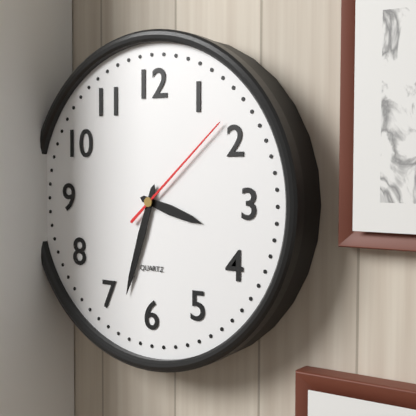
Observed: 3.33.08
